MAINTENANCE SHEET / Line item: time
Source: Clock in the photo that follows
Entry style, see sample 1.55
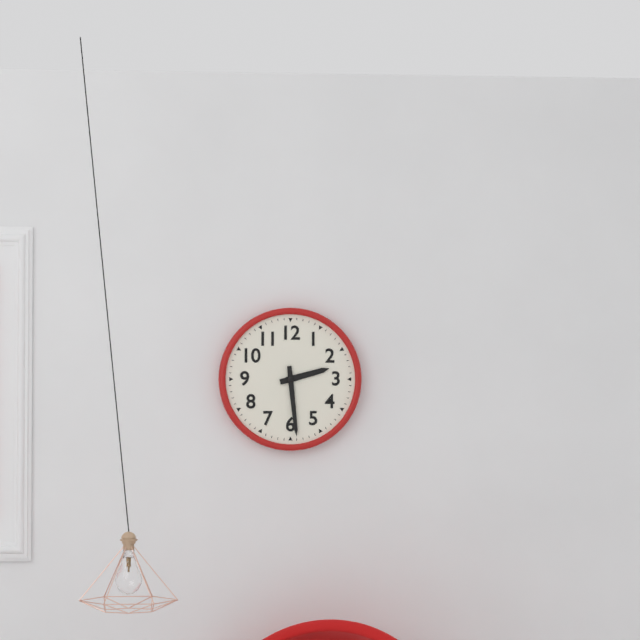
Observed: 2.29
